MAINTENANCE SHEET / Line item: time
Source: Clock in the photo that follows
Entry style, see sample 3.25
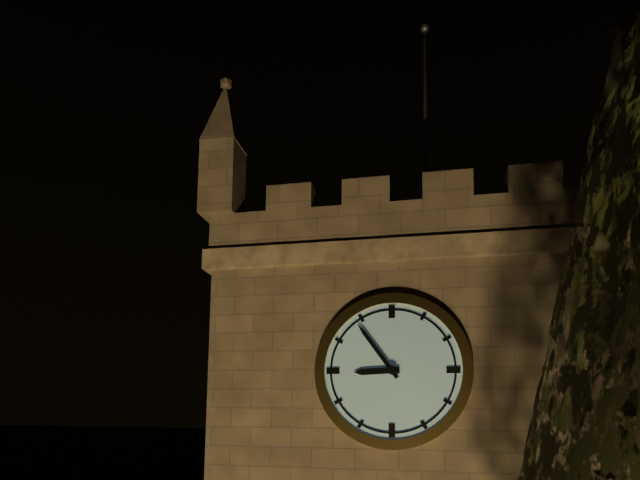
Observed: 8.54
